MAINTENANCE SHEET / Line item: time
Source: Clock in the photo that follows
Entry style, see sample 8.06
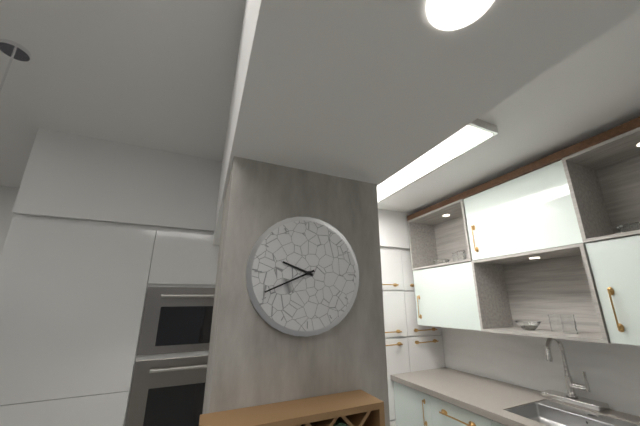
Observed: 9.41
